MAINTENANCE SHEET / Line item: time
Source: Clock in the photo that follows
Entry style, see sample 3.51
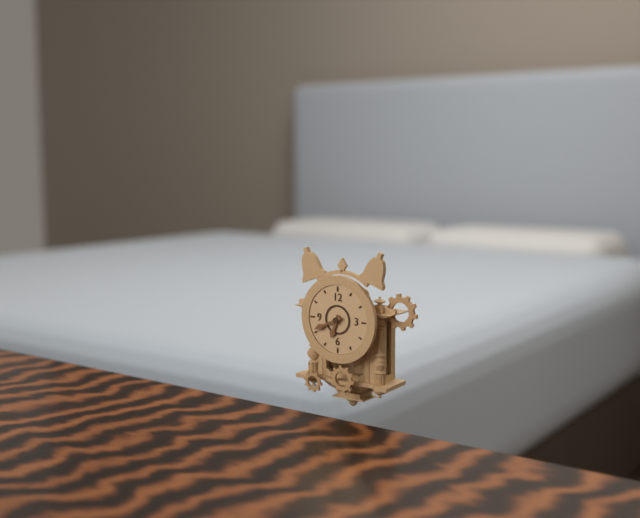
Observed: 6.41
